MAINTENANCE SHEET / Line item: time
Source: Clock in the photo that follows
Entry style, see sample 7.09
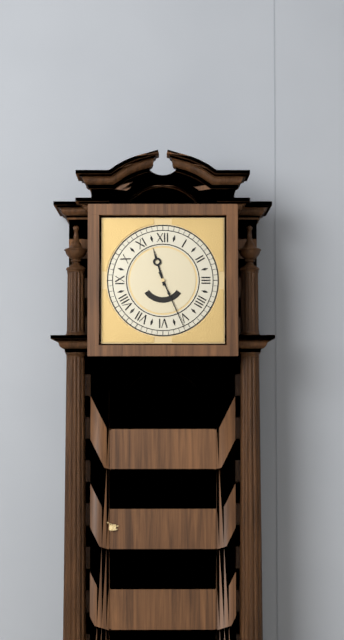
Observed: 11.26
